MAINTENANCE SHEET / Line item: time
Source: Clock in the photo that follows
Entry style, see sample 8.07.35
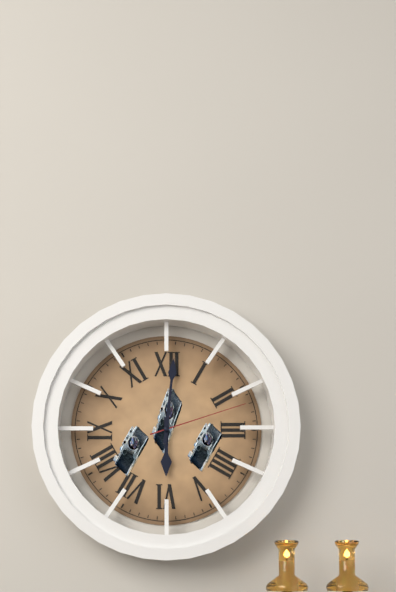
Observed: 6.01.12
